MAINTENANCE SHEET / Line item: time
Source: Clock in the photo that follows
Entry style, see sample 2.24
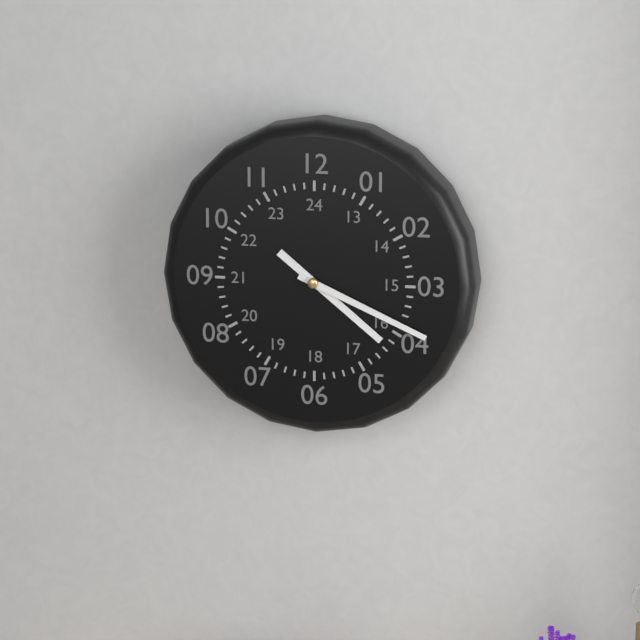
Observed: 4.19
